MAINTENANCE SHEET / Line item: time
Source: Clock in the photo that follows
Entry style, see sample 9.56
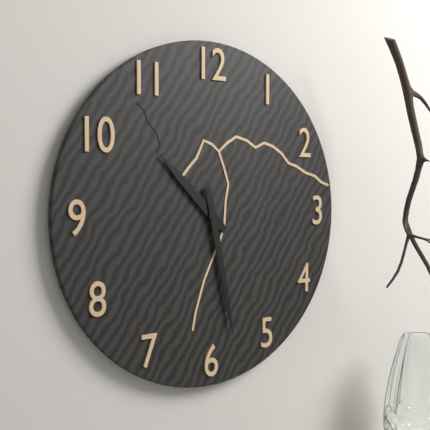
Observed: 10.28
